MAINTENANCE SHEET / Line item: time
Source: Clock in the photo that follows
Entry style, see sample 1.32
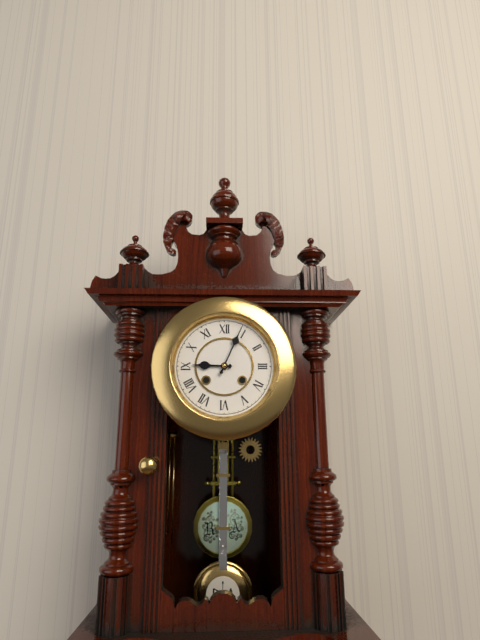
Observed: 9.04
